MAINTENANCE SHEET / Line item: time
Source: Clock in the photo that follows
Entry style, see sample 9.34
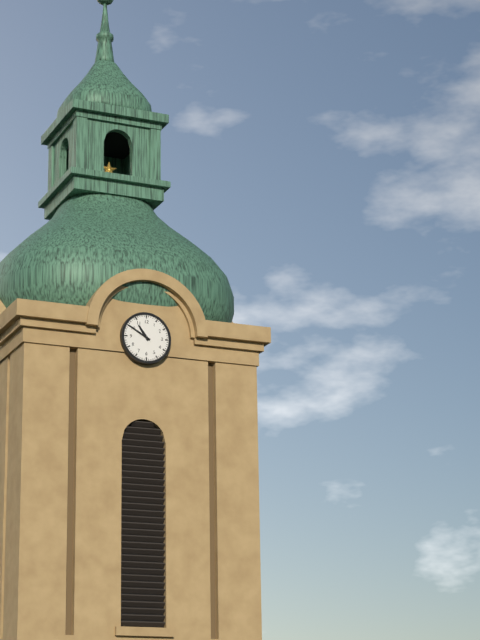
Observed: 10.50
